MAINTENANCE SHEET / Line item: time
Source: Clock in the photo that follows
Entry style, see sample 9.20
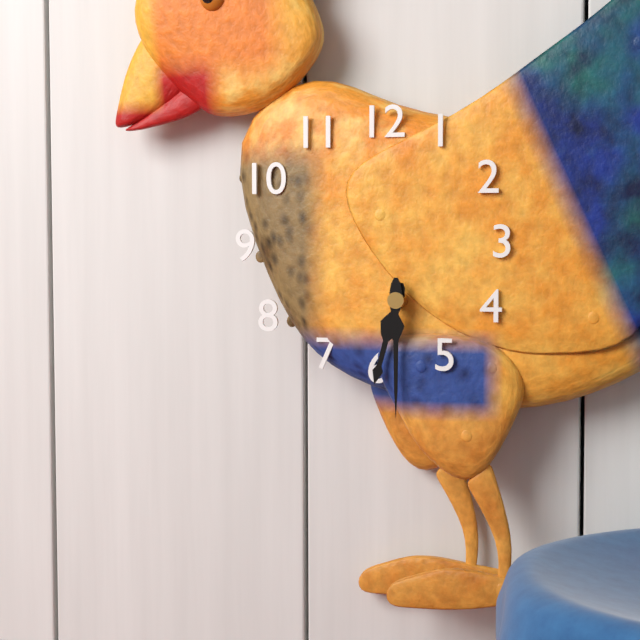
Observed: 6.30
